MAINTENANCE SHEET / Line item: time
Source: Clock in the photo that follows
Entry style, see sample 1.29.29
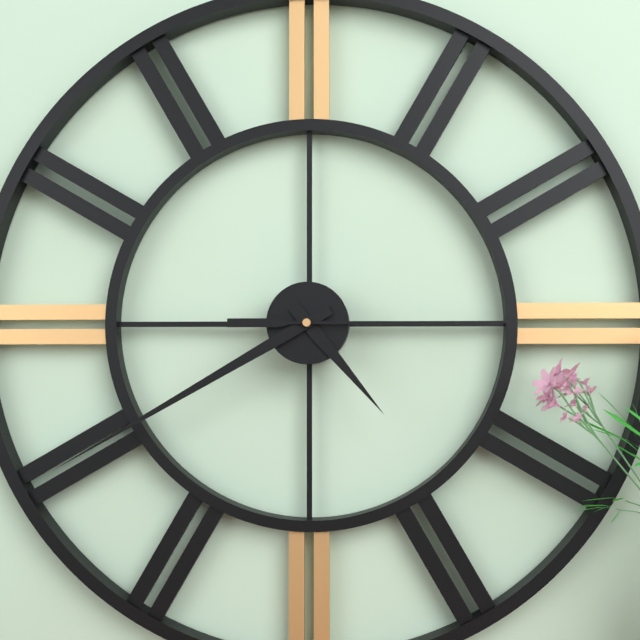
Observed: 4.40.15
